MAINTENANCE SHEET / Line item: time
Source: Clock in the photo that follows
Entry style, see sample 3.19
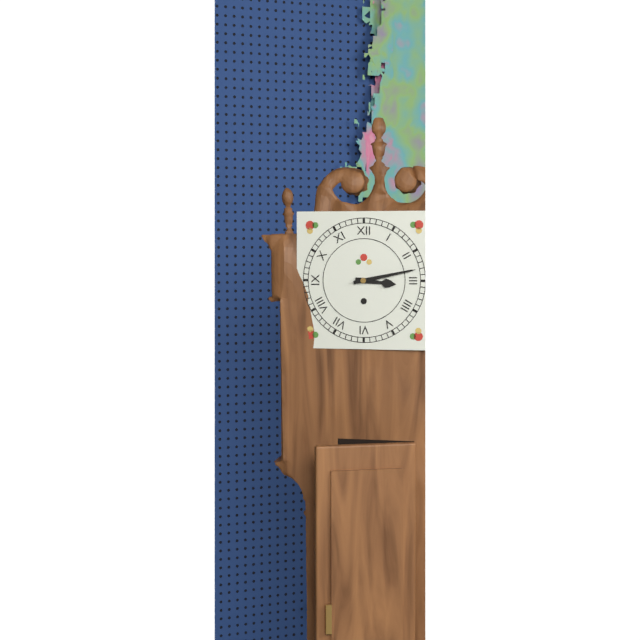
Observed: 3.13
